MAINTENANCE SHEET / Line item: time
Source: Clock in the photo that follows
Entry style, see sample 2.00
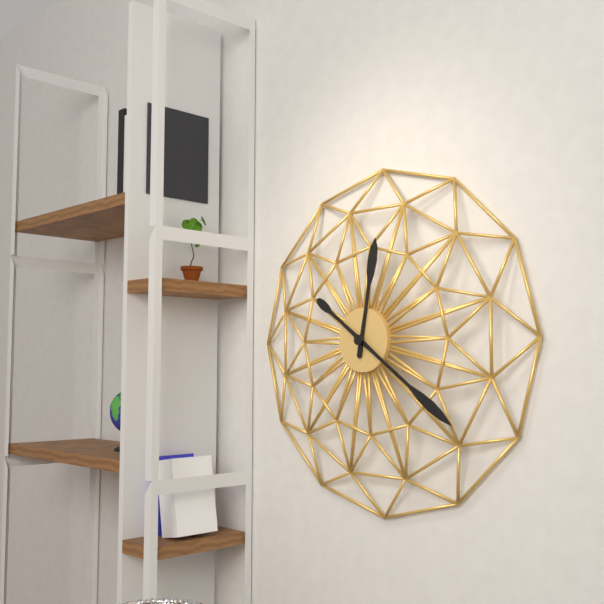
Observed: 12.21
